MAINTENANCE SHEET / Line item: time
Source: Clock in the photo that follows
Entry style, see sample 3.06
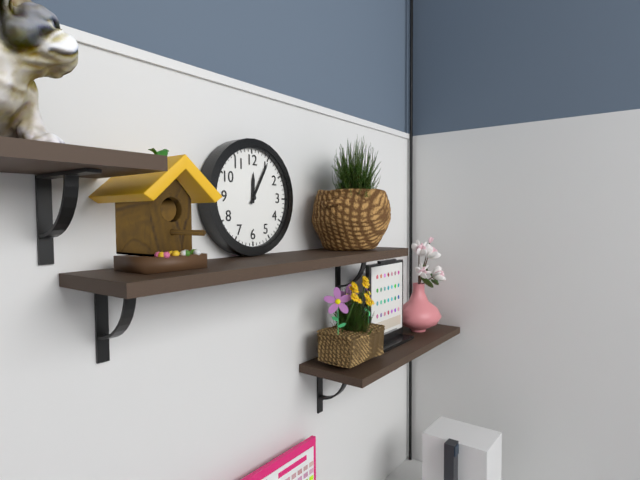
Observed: 12.05
